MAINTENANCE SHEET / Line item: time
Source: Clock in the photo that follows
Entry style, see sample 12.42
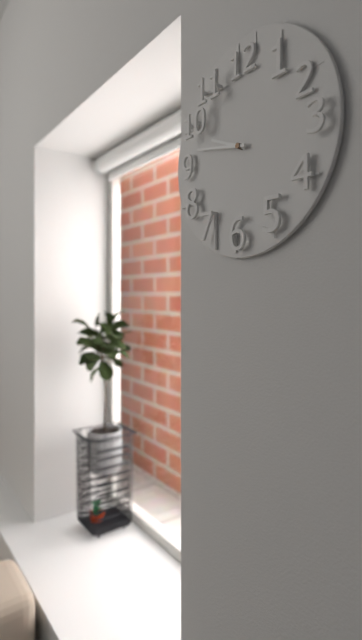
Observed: 9.47
